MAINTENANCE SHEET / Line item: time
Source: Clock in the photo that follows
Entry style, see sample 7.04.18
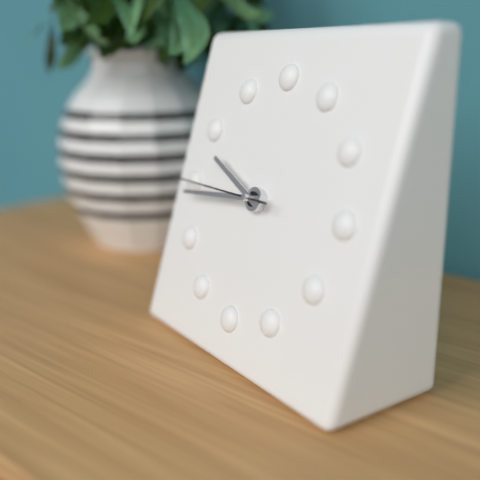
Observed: 9.44.45
